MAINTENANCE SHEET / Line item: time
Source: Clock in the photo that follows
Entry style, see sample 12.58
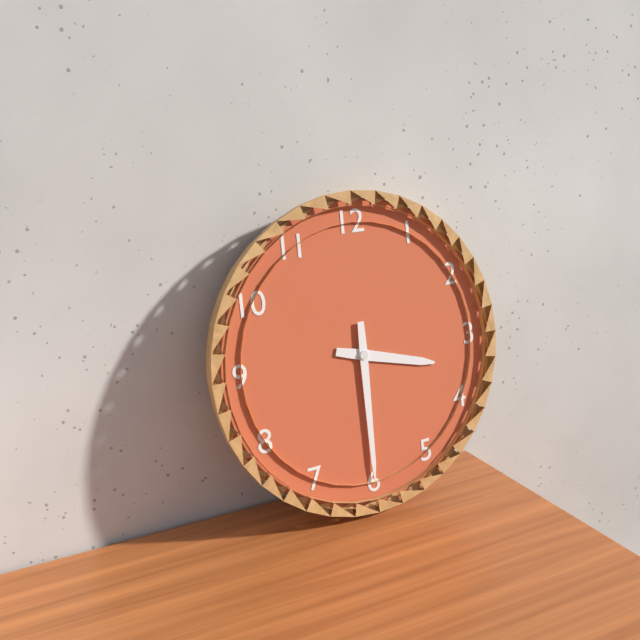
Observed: 3.30
